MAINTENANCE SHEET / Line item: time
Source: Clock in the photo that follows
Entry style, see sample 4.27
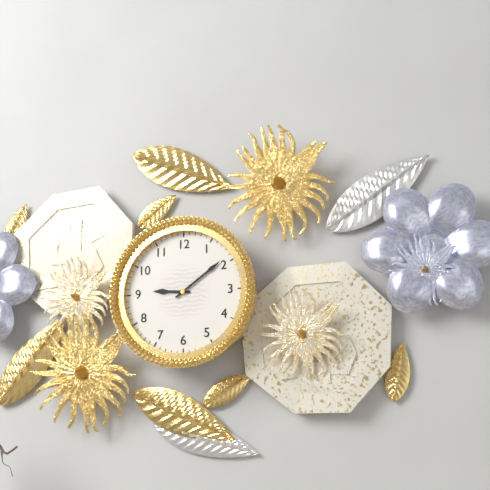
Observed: 9.09
